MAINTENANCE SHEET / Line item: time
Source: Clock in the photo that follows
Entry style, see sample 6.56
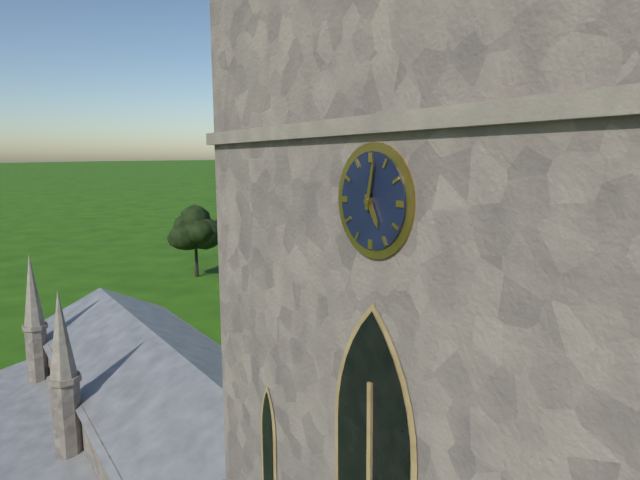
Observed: 5.02
